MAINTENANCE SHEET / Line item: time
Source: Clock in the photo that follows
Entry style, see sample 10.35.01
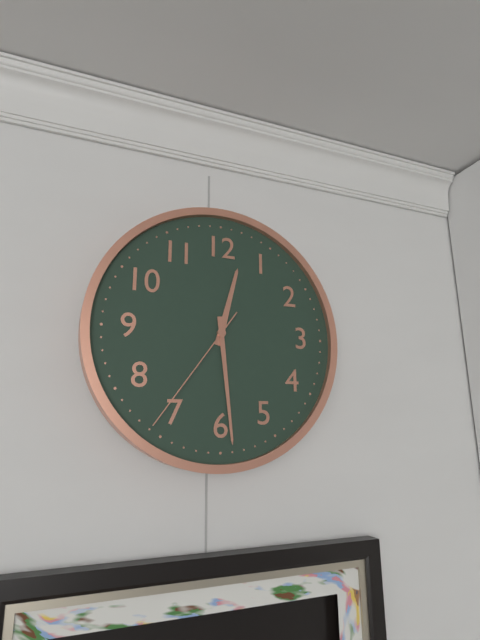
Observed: 12.29.36
